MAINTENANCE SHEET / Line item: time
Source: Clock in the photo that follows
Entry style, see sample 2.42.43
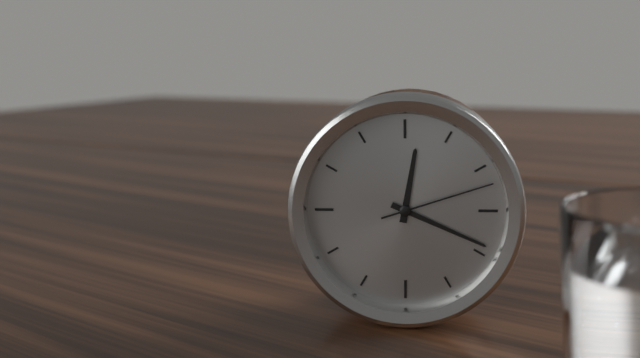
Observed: 12.19.12
